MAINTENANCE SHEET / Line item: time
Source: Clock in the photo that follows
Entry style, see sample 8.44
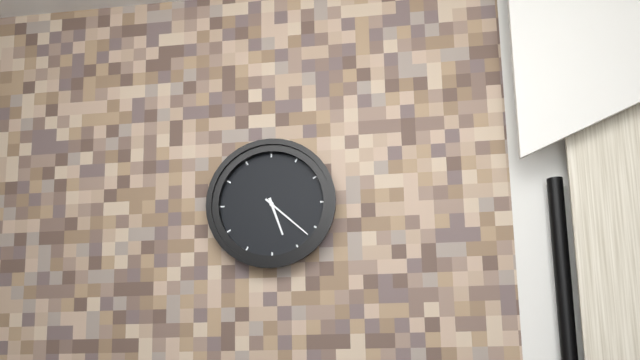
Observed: 5.22
